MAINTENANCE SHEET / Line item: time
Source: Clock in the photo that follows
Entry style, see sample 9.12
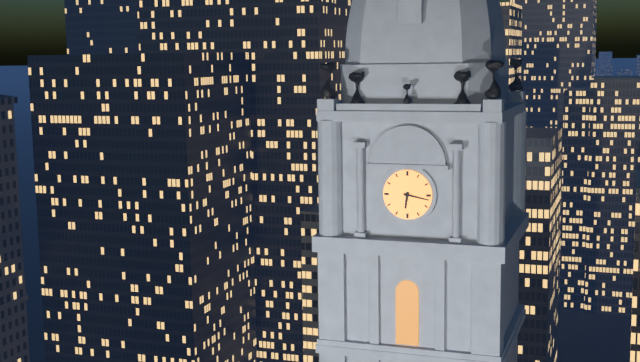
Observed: 6.17
